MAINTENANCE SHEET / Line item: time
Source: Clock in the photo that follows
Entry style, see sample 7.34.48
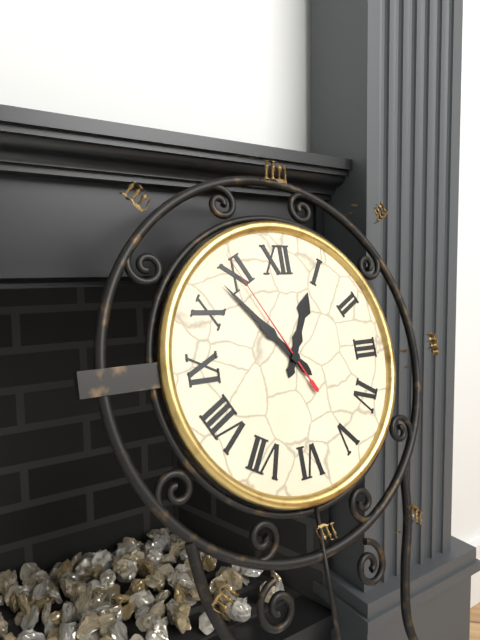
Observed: 12.53.55
